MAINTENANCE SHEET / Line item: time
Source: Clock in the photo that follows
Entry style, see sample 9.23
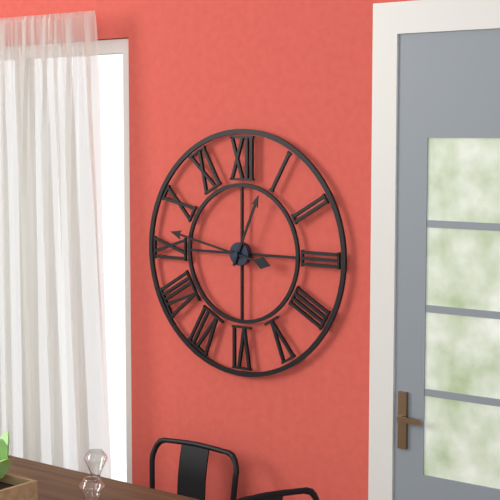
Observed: 12.47
